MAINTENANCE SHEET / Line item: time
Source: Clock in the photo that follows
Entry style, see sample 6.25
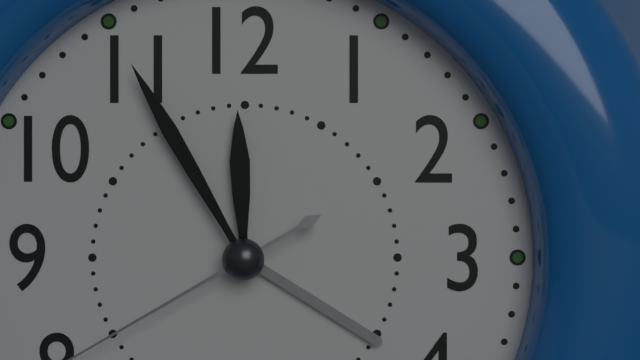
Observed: 11.55
